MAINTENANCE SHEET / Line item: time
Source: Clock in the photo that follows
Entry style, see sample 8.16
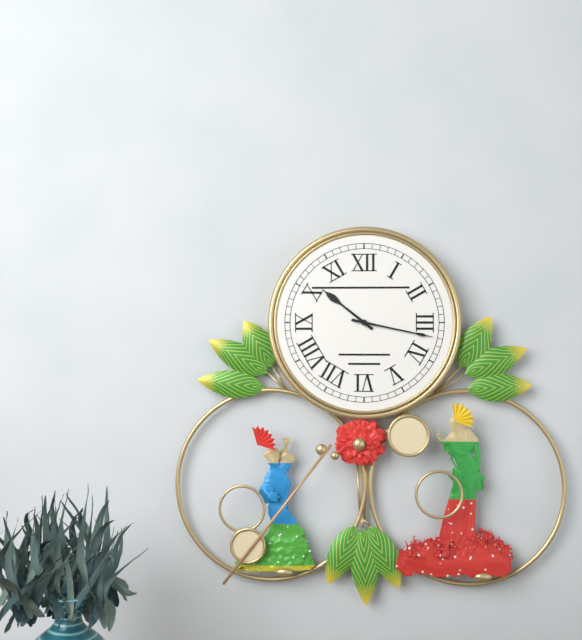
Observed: 10.17
